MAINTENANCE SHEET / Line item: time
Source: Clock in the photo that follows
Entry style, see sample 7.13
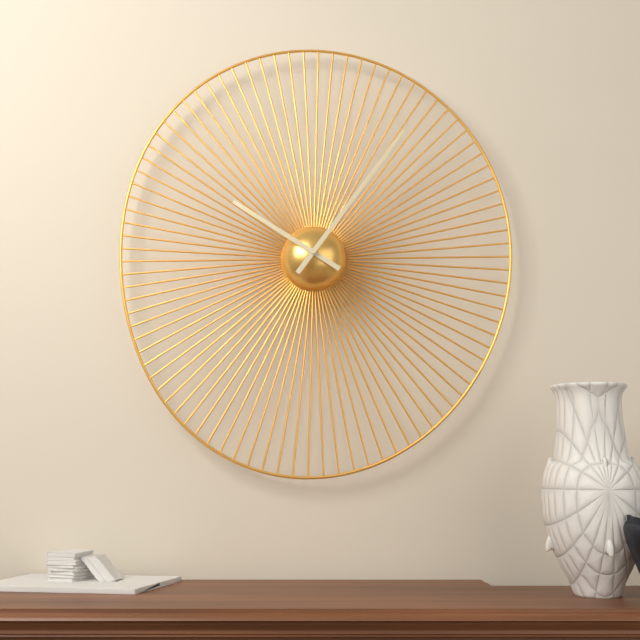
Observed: 10.06
